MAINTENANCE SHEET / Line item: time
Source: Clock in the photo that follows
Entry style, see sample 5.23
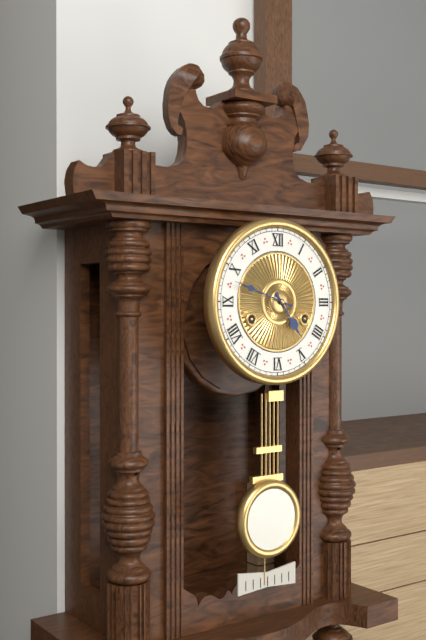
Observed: 4.48
